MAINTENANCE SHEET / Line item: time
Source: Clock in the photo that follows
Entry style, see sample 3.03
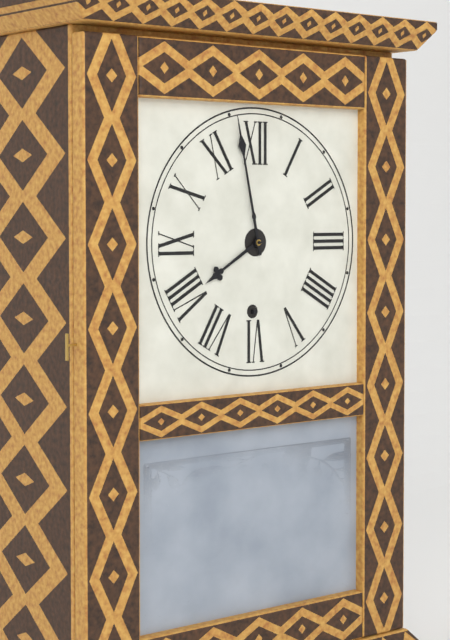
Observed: 7.58
